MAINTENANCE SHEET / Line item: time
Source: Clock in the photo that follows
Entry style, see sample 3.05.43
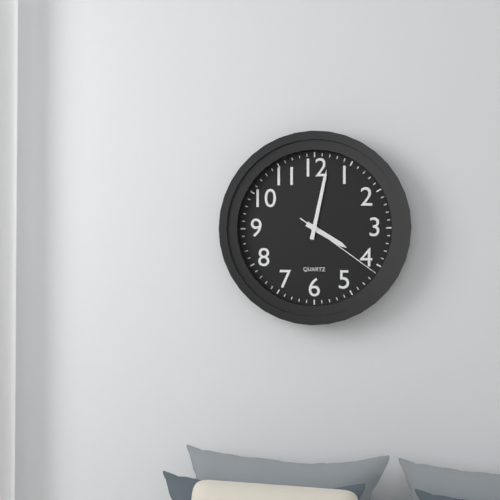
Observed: 4.02.21
